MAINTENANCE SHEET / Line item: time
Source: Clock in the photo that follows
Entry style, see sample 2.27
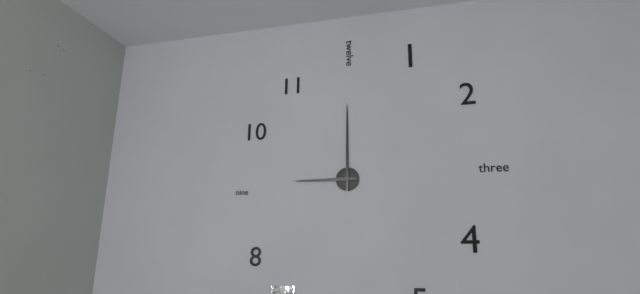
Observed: 9.00
